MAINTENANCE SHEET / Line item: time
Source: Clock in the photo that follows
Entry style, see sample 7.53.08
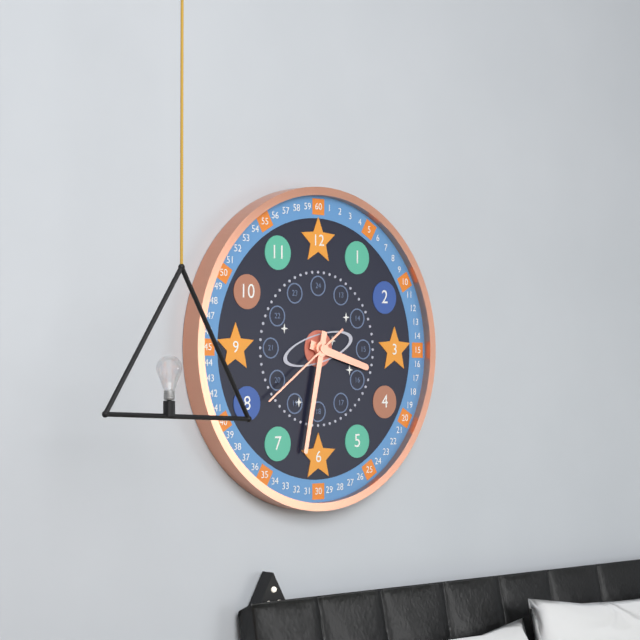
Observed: 3.32.39
